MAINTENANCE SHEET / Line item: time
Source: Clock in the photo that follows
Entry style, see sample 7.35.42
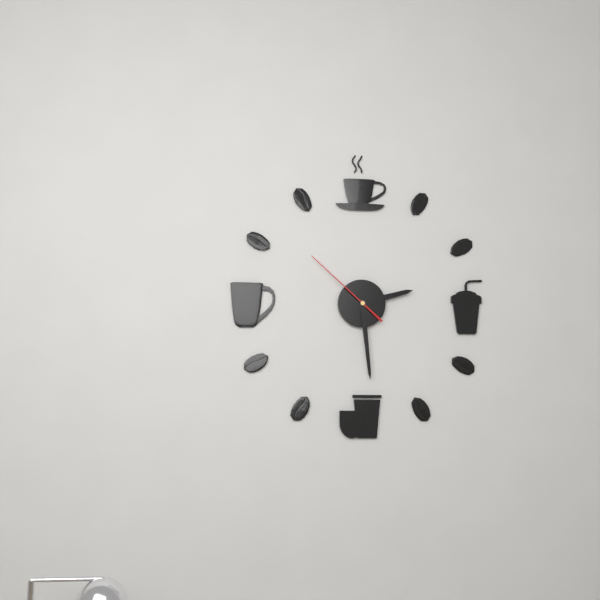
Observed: 2.29.52
